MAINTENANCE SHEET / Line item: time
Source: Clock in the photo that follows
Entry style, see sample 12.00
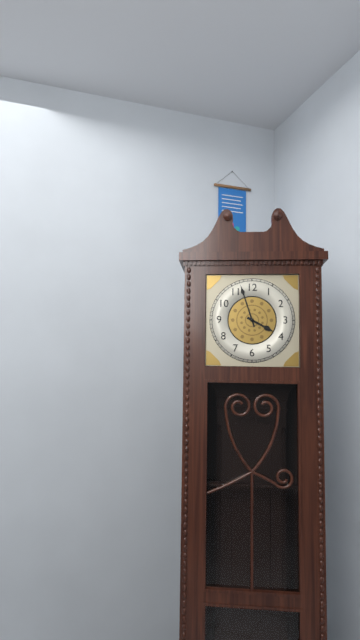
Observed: 3.57
